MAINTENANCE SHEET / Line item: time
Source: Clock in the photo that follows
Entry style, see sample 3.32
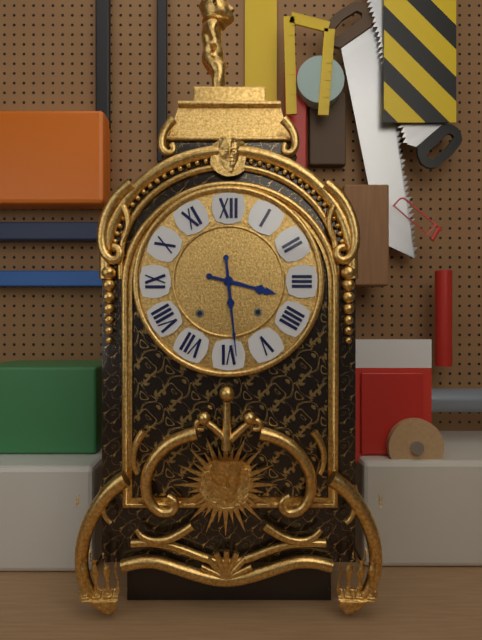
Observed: 3.29
